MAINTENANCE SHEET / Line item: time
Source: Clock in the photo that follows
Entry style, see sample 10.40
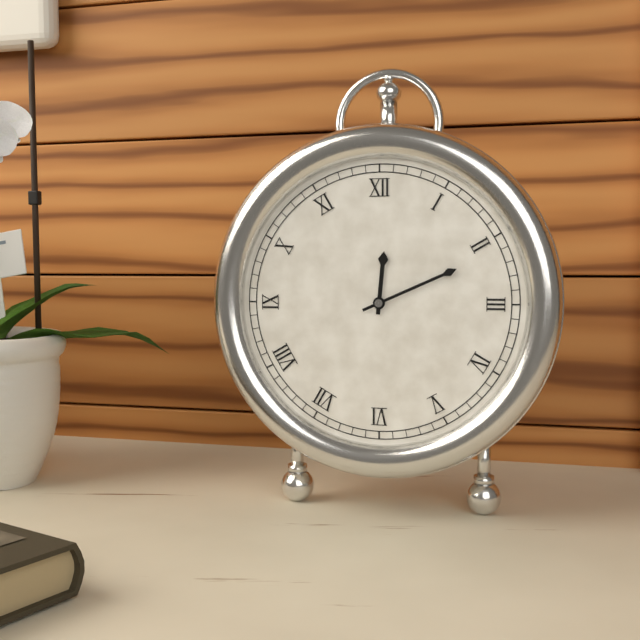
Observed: 12.11
